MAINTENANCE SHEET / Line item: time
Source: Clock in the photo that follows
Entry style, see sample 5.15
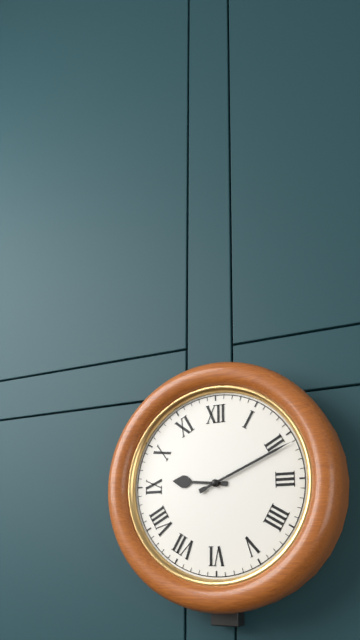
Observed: 9.11
